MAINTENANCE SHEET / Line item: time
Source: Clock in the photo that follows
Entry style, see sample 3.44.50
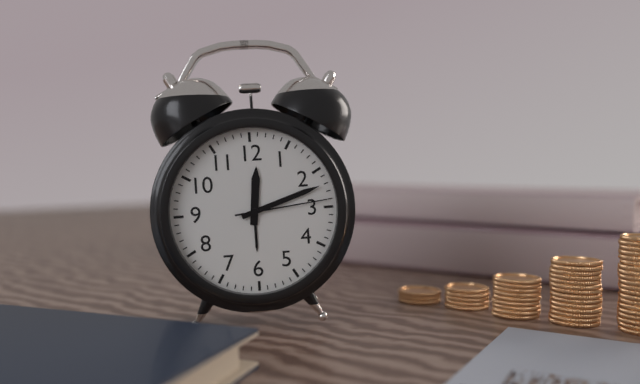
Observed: 12.12.14
